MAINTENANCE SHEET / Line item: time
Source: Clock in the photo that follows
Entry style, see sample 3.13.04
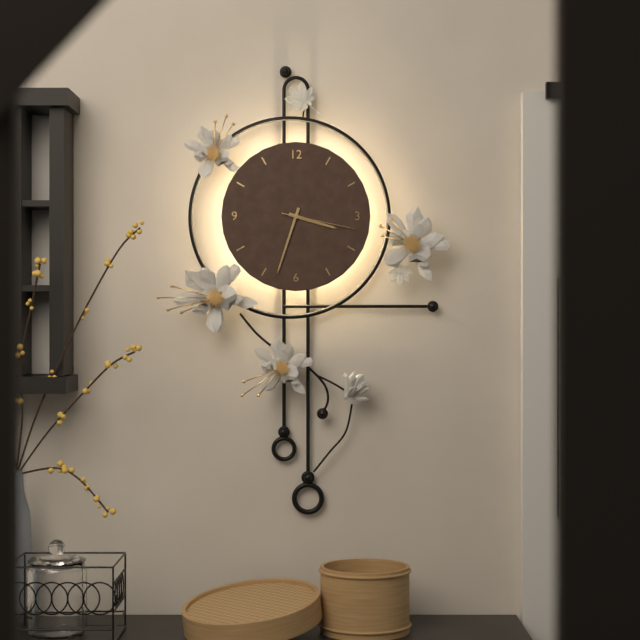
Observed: 3.33.17
